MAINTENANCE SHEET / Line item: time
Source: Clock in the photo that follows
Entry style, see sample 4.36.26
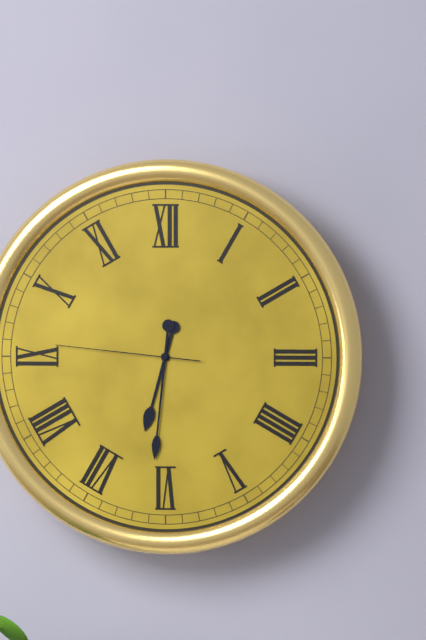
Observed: 6.31.46
